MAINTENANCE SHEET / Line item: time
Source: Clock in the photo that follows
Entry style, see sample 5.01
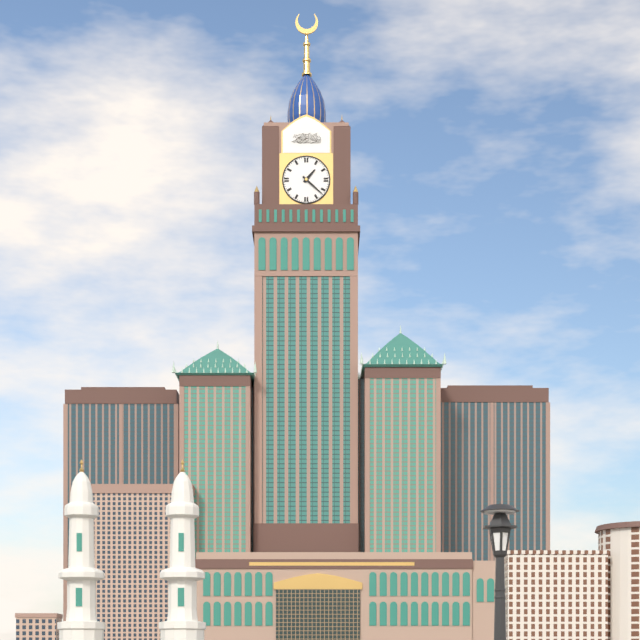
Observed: 1.22
